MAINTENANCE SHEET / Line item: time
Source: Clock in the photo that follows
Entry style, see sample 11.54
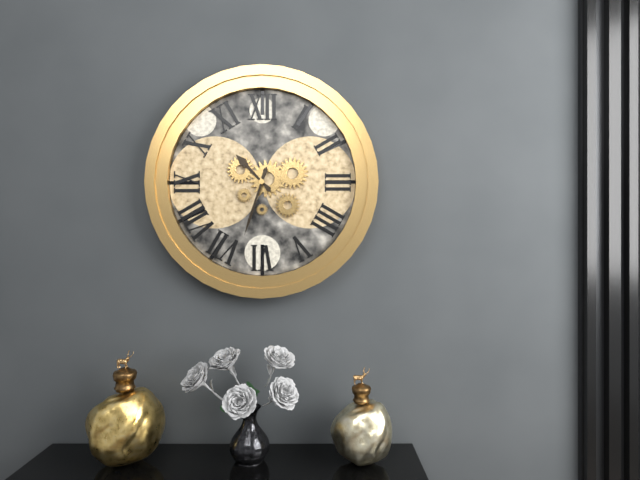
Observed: 10.33
